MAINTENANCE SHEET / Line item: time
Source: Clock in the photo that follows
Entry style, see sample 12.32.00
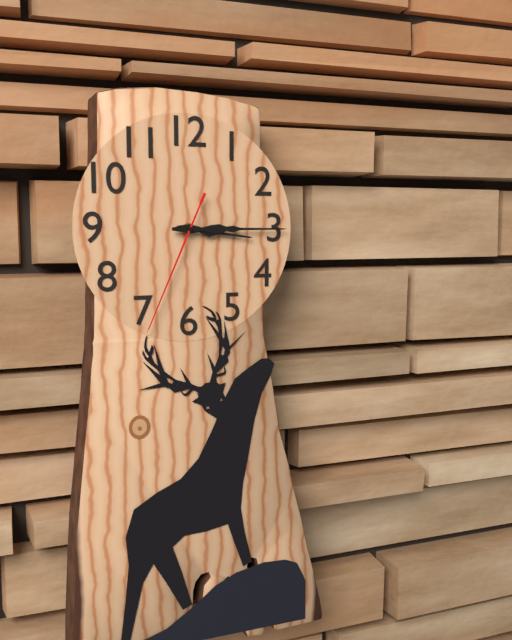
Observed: 3.15.34
